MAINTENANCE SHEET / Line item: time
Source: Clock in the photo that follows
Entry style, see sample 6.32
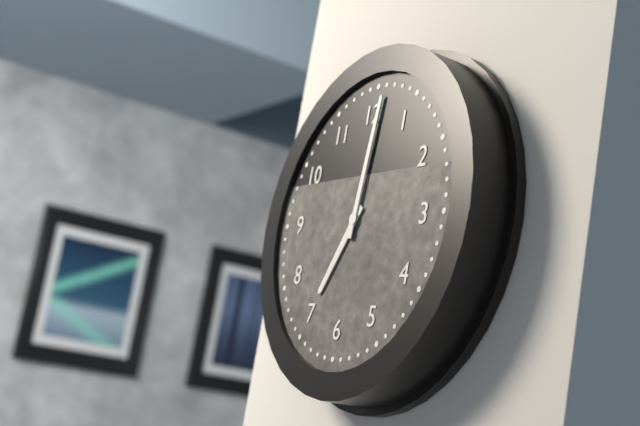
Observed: 7.01
